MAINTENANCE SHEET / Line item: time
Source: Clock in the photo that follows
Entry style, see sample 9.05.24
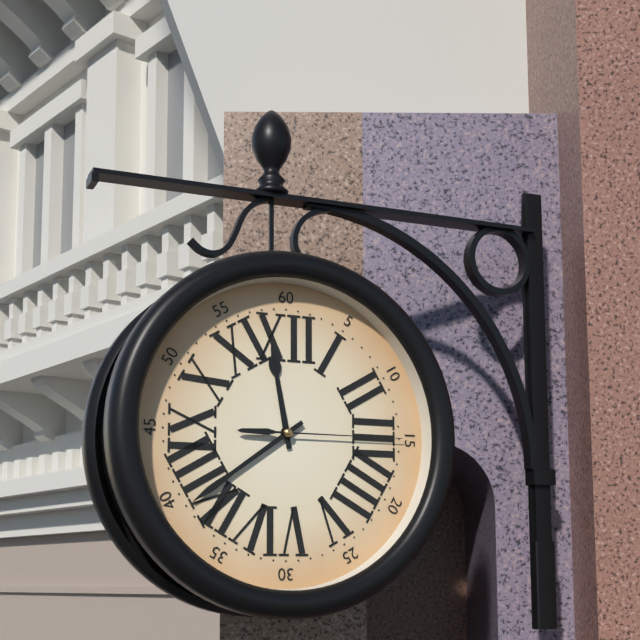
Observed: 11.39.15
